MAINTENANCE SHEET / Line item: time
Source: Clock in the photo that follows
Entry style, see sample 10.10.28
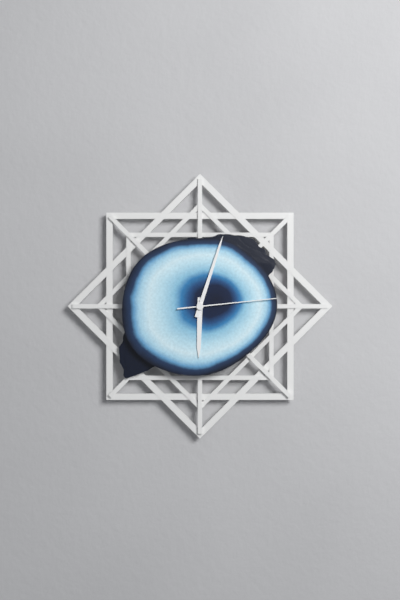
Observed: 6.03.14
